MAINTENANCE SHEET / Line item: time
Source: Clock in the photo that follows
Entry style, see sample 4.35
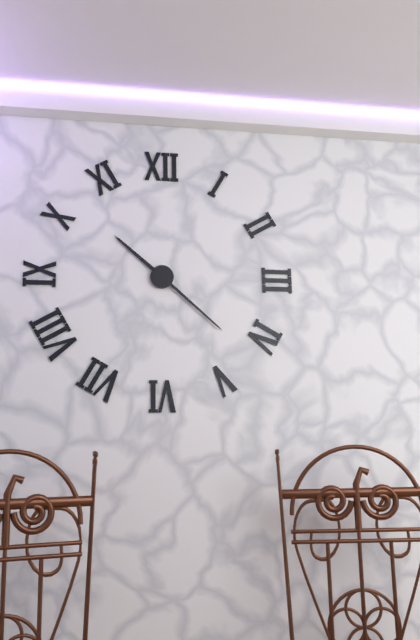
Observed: 10.22
